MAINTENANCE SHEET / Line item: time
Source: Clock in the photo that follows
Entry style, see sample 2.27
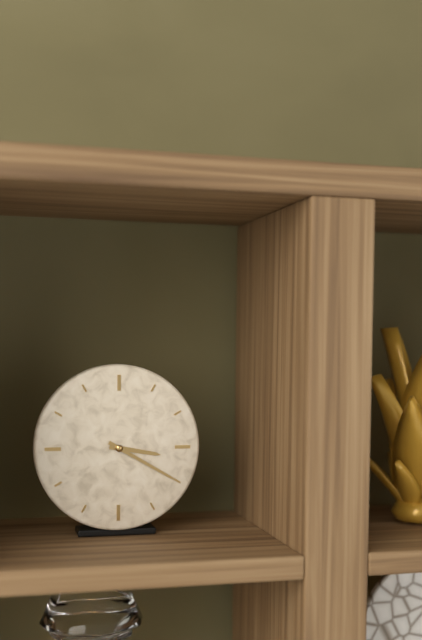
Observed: 3.20
